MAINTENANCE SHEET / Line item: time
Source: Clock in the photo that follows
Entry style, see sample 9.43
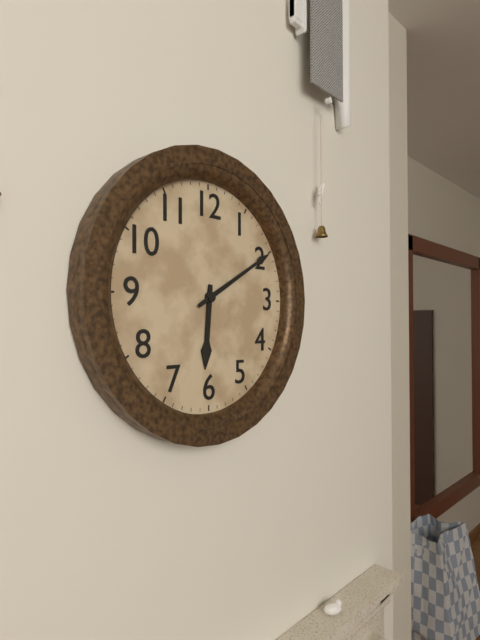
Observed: 6.10
